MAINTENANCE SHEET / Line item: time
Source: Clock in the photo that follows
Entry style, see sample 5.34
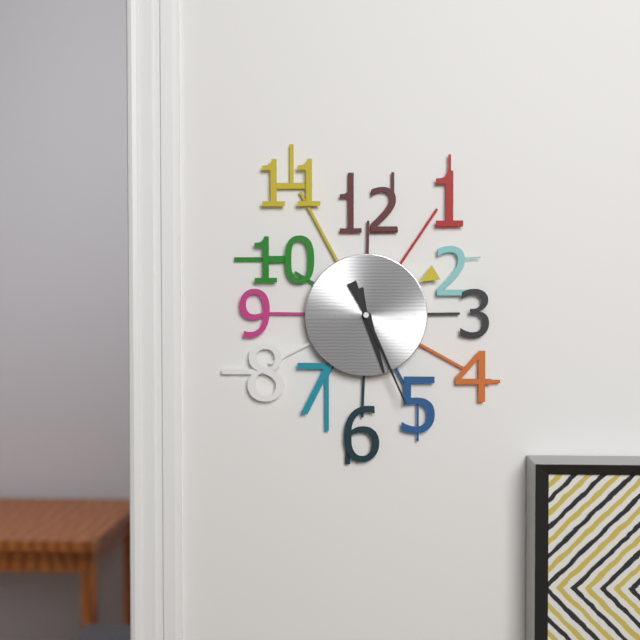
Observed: 5.26
